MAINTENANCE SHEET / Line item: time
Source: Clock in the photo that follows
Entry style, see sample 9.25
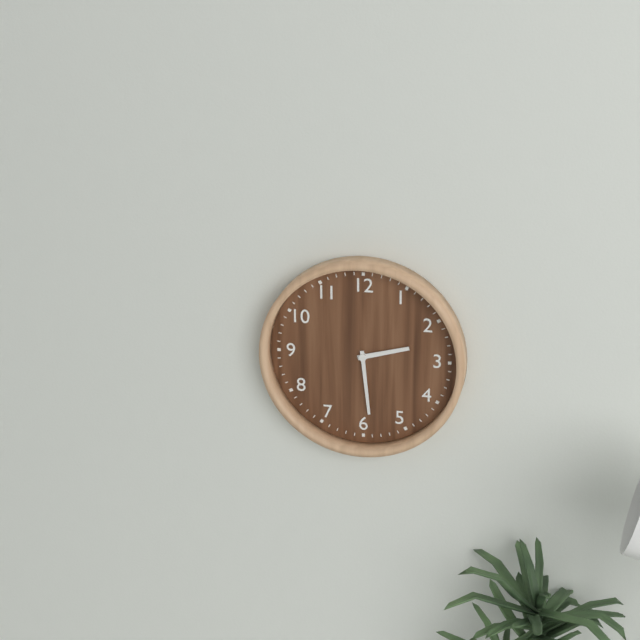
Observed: 2.29
